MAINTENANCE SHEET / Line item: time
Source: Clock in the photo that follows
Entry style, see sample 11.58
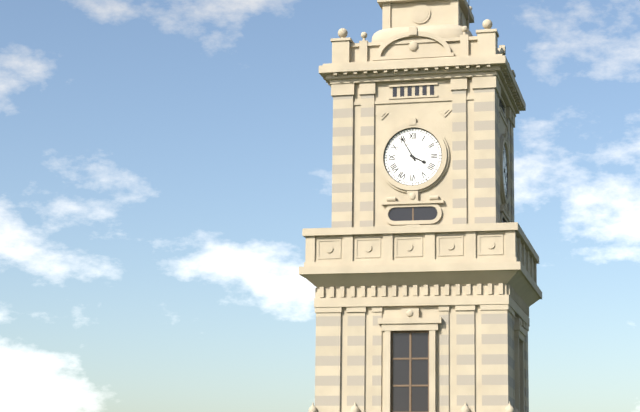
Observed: 3.55
